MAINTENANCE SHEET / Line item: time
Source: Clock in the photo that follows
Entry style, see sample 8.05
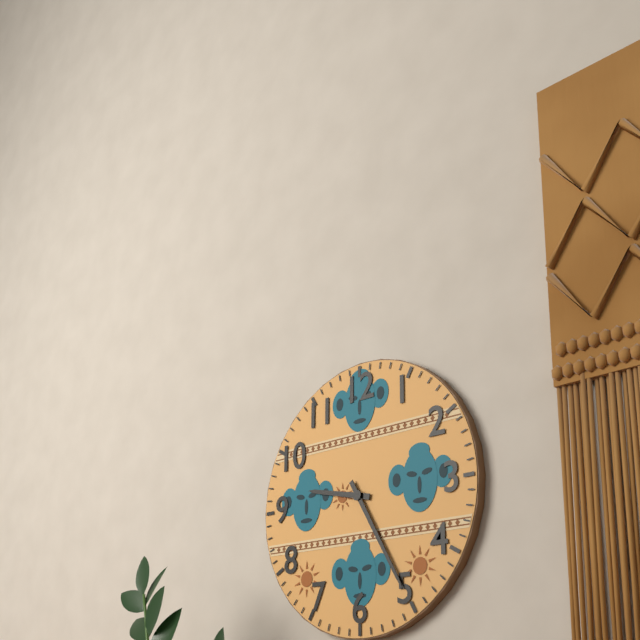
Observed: 9.25
